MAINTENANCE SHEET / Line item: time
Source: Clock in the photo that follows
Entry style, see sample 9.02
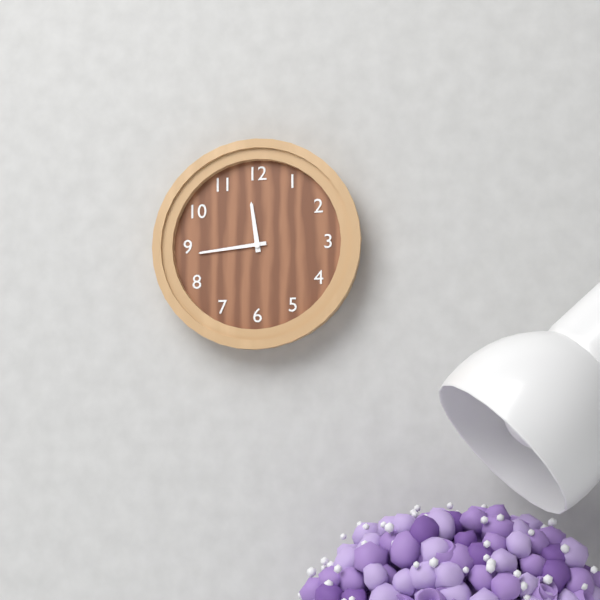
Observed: 11.44
